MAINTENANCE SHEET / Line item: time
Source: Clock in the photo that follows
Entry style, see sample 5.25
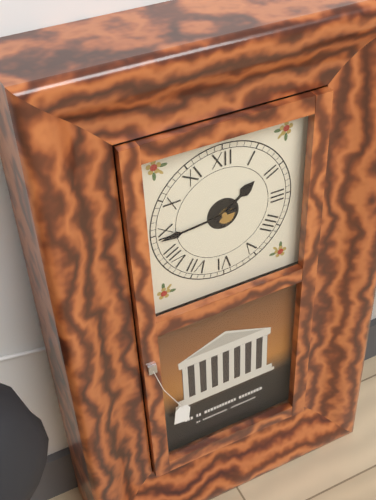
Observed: 1.44
